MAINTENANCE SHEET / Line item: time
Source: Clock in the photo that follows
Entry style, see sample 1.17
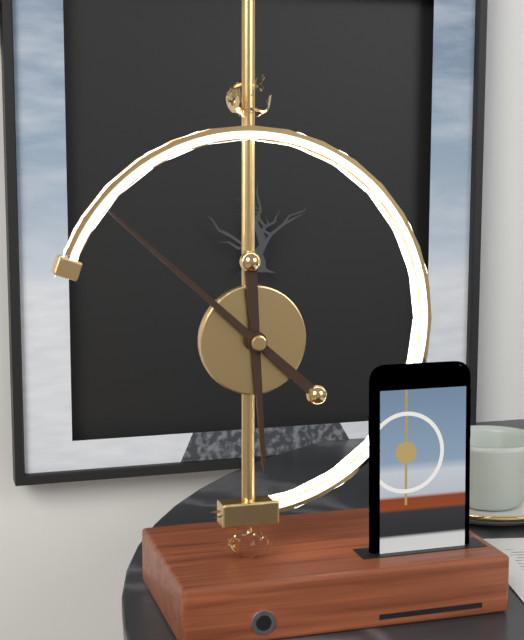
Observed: 5.52
